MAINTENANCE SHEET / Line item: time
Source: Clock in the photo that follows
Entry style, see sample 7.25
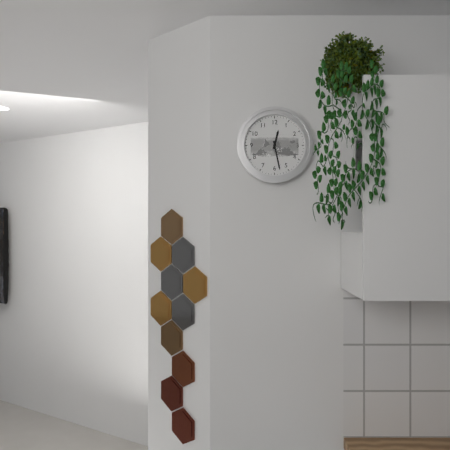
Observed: 12.28
